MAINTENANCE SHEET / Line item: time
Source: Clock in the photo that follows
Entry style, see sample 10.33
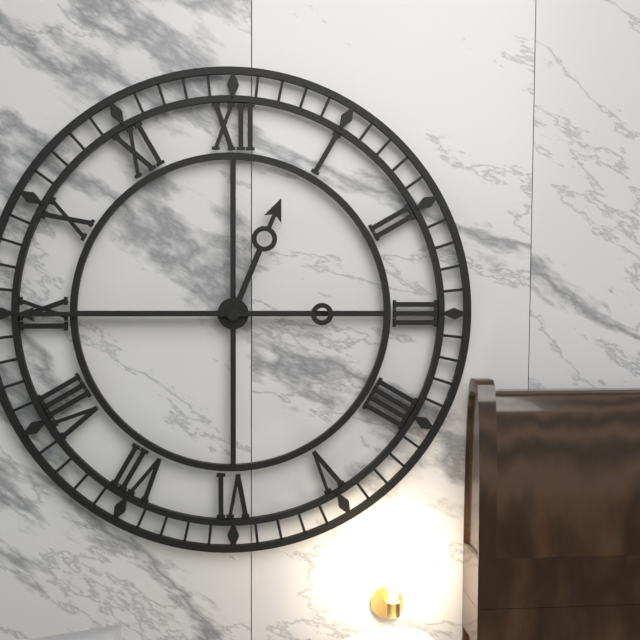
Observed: 12.45
